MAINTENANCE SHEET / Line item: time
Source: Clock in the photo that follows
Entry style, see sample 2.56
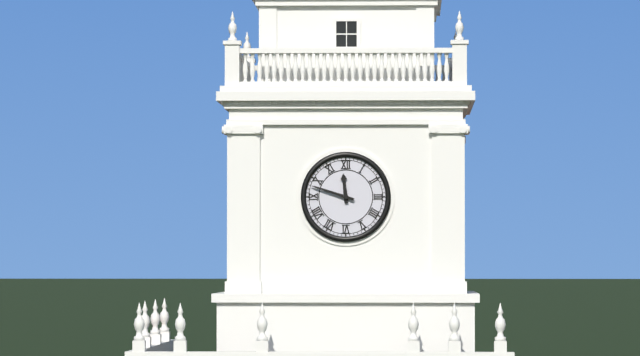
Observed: 11.48
